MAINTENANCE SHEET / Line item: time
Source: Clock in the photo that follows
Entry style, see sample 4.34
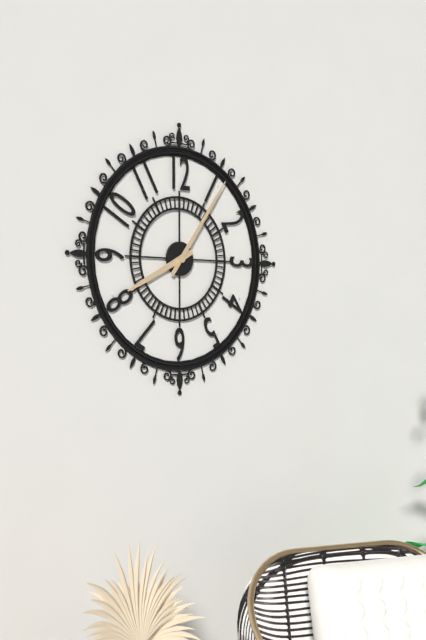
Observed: 8.06
